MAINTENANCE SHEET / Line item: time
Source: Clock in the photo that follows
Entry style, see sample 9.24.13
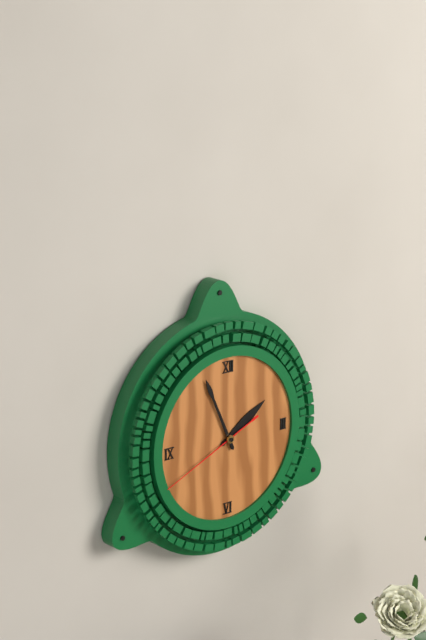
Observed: 1.56.41
